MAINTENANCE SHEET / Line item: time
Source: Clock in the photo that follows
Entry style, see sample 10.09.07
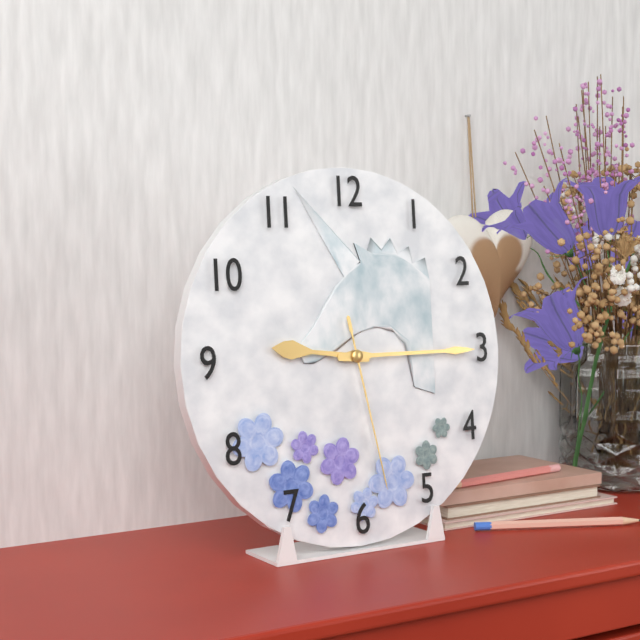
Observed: 9.15.28
